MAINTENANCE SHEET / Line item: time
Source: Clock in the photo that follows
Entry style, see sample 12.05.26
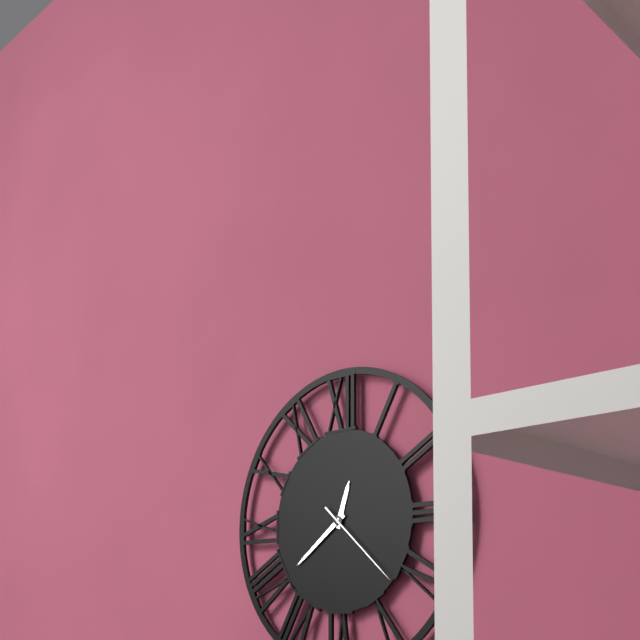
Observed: 12.39.22
